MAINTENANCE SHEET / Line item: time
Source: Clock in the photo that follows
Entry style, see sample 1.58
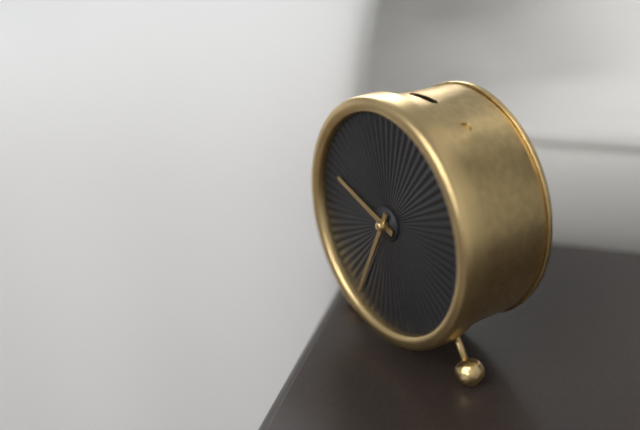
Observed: 9.34
